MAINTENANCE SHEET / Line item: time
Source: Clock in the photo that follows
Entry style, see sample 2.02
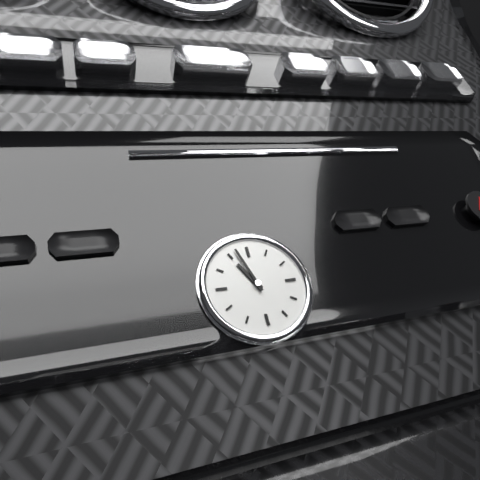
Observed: 10.57
